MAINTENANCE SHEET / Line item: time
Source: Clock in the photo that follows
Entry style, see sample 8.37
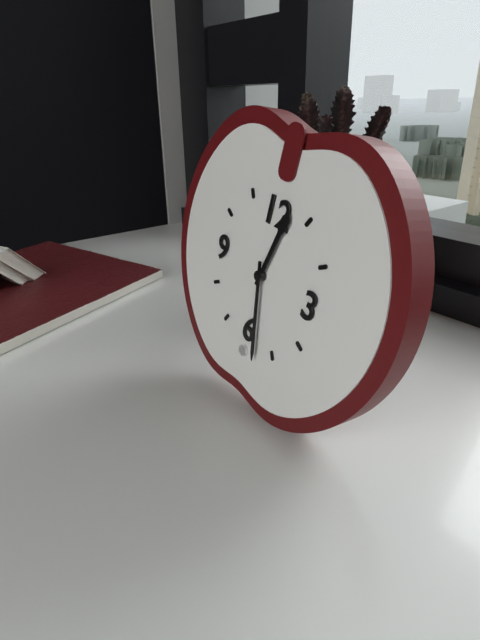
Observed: 12.28
